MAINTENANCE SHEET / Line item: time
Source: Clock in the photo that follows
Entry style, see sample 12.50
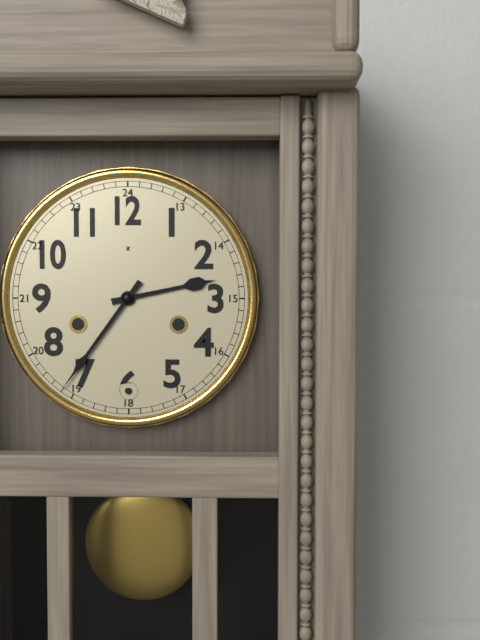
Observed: 2.36
